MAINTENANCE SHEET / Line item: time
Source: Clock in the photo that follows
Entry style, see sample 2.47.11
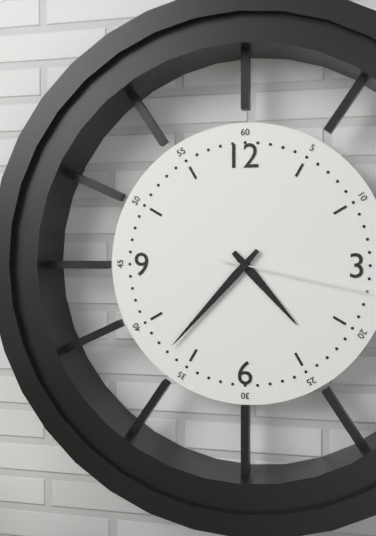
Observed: 4.37.17
